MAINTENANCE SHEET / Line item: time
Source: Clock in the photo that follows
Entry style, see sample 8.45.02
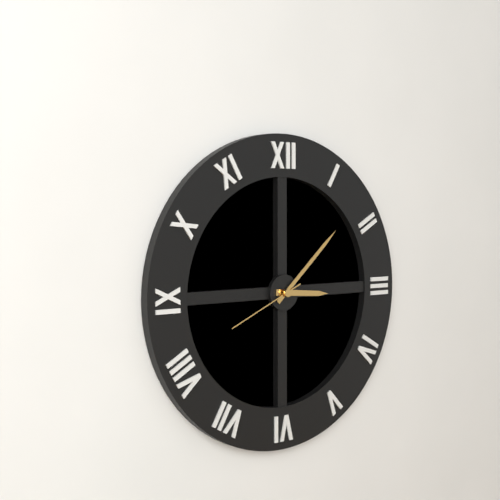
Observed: 3.08.41
